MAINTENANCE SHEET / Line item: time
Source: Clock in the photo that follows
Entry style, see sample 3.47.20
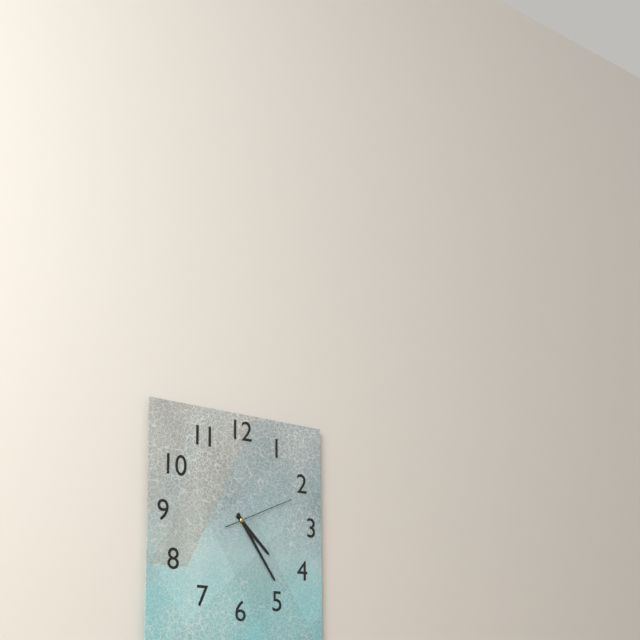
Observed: 4.24.11
